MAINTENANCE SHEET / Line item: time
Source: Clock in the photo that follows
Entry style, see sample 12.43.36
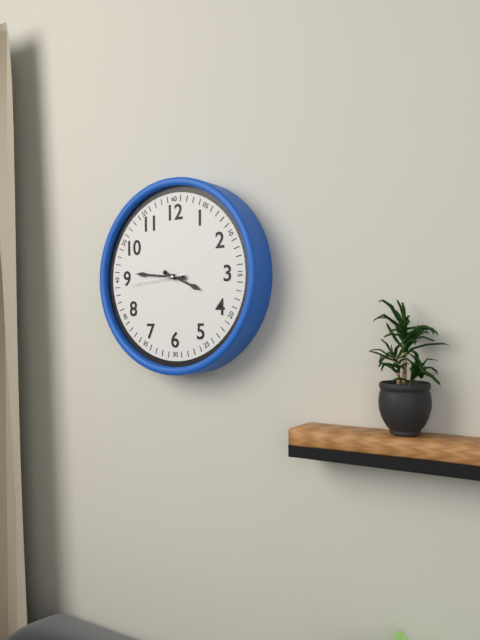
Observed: 3.46.44
